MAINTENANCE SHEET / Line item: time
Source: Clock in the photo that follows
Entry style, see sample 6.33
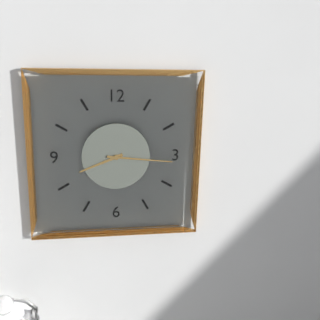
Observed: 8.16
